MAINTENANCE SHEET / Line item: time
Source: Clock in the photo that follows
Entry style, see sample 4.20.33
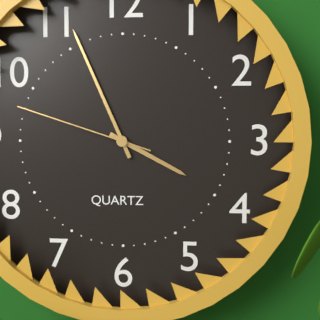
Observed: 3.56.48
